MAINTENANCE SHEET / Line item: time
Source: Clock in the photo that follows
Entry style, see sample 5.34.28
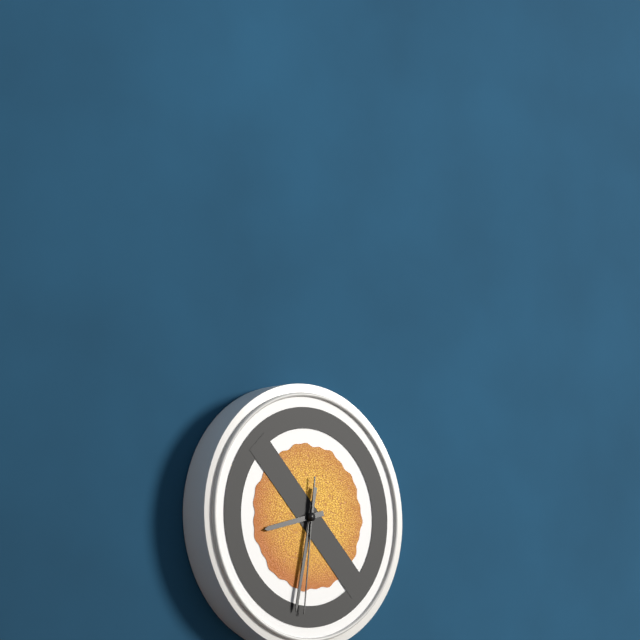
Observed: 8.32.31
